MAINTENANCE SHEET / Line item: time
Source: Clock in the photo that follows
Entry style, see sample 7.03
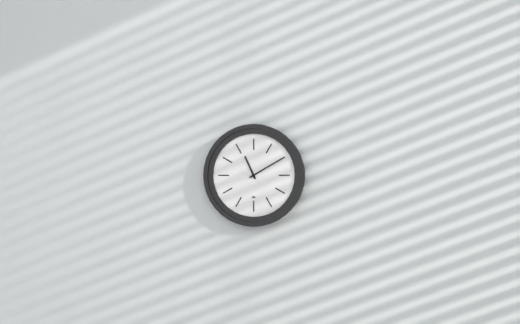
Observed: 11.10
